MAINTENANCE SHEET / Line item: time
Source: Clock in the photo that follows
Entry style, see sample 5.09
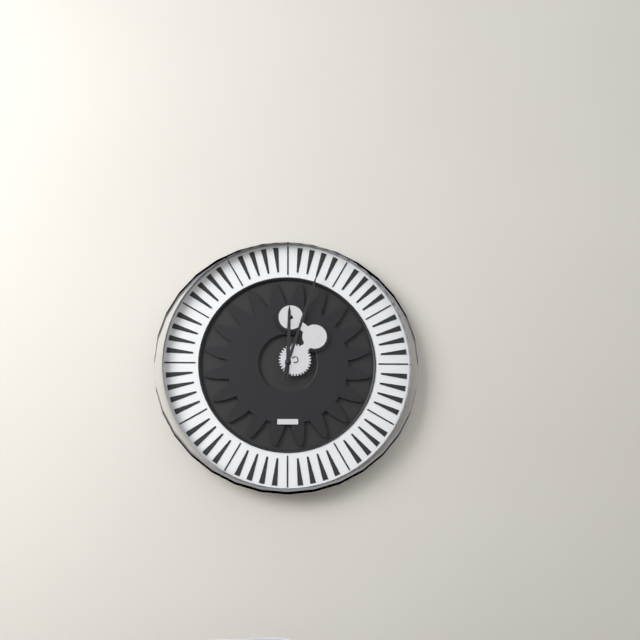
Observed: 12.03
